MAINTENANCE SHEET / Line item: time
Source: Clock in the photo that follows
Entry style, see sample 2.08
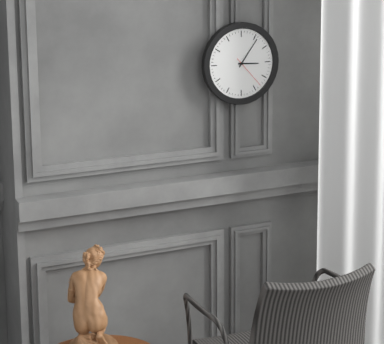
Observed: 3.06
